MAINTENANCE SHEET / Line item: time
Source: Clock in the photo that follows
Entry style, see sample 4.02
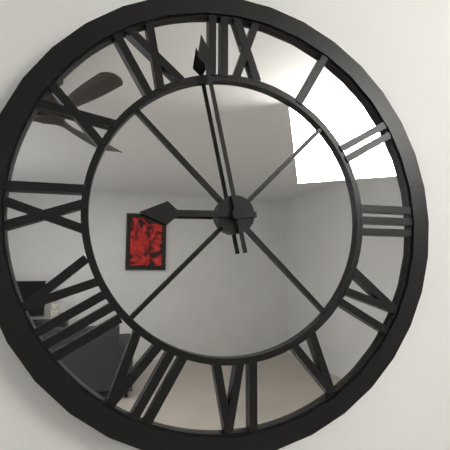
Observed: 8.58
